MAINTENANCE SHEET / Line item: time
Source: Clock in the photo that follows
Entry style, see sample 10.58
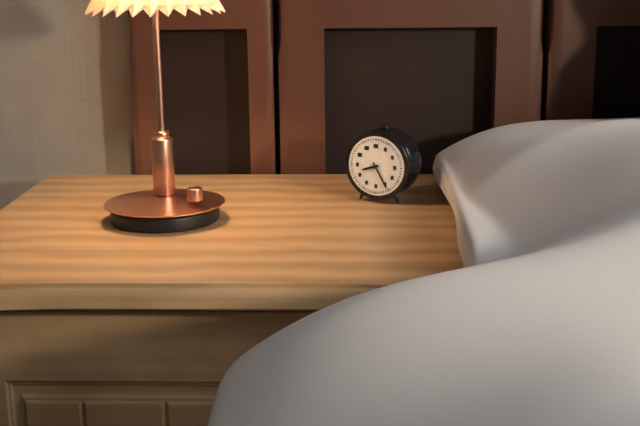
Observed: 8.25
